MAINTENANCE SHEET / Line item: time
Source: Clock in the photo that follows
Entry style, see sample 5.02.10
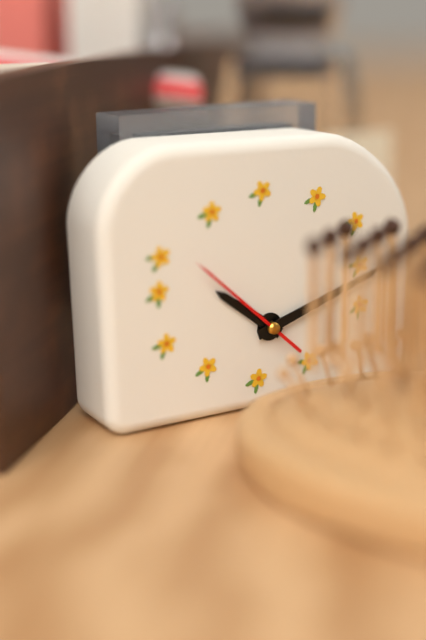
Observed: 10.12.52
